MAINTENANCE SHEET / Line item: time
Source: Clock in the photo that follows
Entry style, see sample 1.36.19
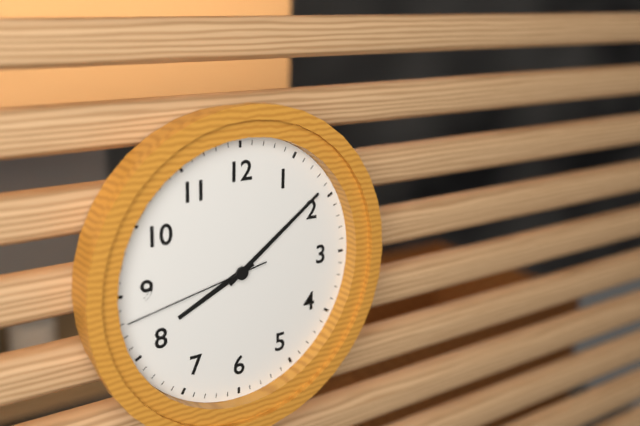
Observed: 8.09.43
